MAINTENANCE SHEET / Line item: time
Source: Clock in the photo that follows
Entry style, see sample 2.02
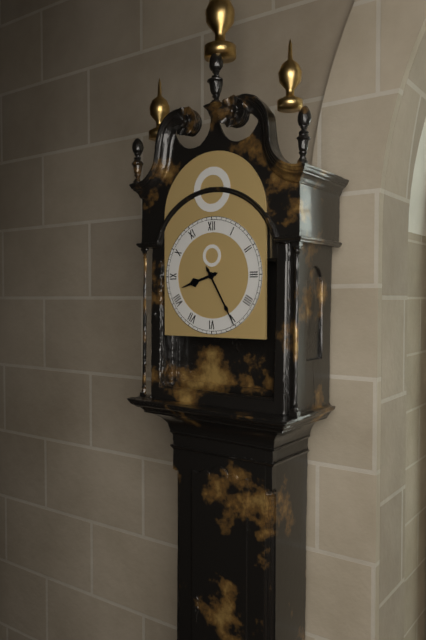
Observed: 8.25
